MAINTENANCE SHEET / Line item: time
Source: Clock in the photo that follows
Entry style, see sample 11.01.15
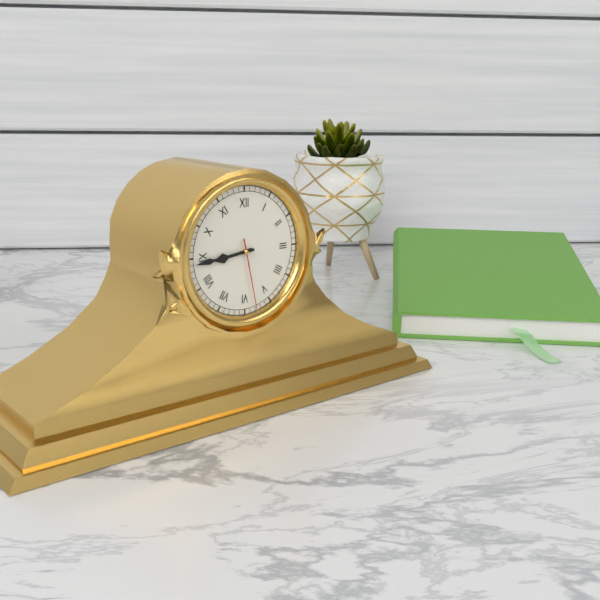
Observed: 8.44.28
